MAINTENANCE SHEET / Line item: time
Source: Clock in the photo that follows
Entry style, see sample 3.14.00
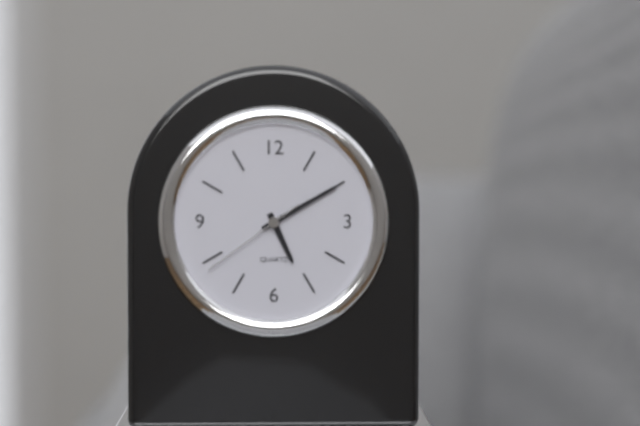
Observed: 5.10.39
